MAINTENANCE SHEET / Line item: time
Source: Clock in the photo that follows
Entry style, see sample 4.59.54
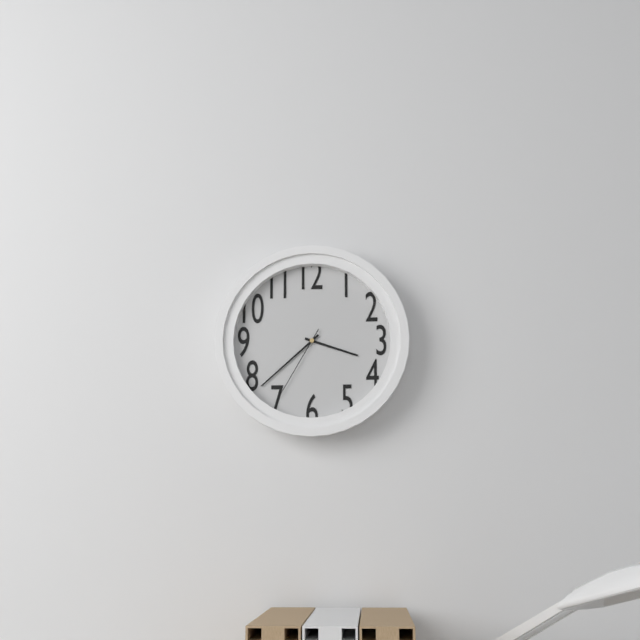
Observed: 3.38.35
